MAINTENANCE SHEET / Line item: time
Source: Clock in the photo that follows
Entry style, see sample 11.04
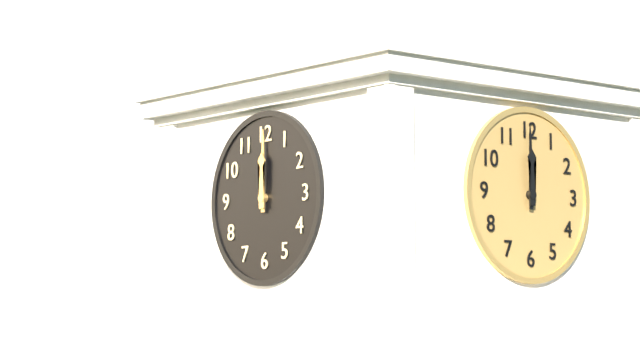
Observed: 12.00
